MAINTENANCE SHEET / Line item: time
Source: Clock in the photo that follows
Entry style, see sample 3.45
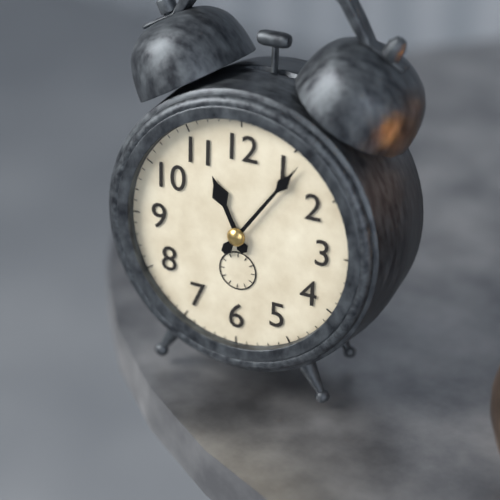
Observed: 11.06
